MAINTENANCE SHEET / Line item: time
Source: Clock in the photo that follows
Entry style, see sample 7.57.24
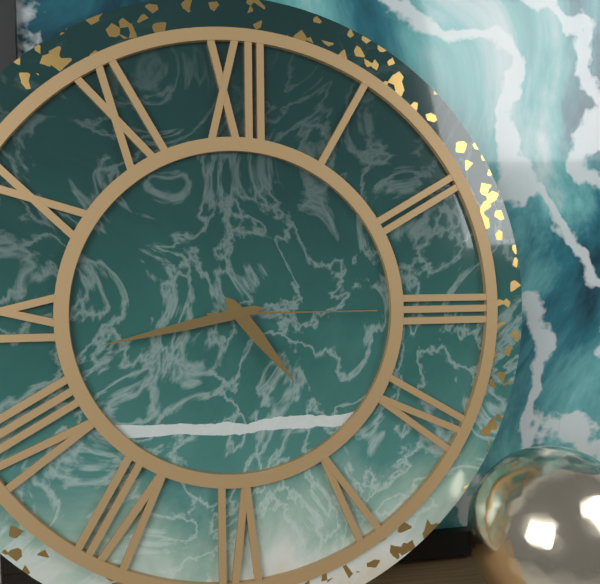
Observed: 4.43.15
